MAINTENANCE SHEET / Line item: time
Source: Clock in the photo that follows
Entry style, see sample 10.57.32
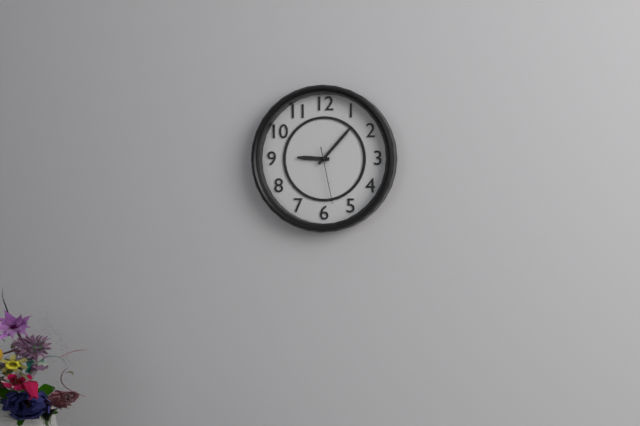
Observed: 9.07.28
